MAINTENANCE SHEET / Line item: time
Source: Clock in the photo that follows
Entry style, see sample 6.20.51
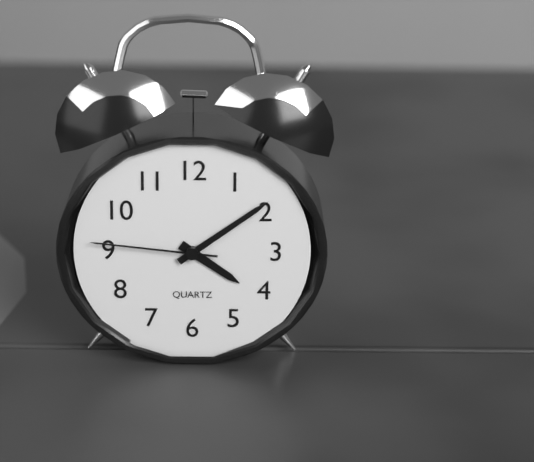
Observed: 4.09.46
